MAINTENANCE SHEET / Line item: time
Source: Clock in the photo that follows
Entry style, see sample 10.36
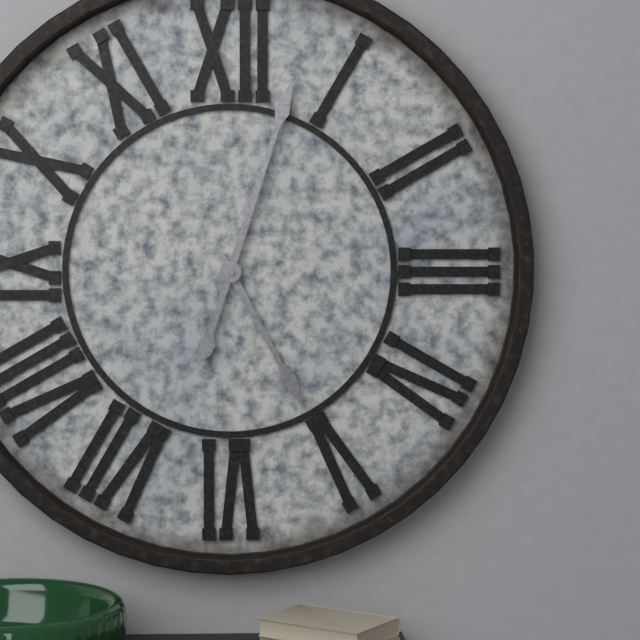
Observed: 5.03
